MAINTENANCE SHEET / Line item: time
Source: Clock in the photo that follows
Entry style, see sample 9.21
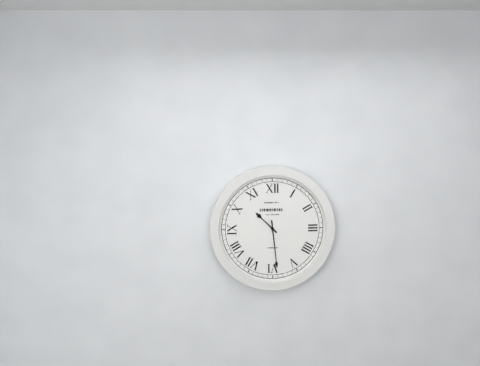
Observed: 10.29
